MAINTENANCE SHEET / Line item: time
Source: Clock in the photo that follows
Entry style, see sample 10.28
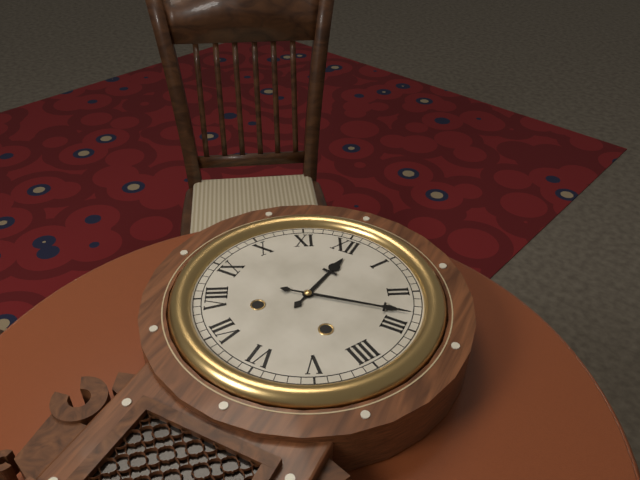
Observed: 12.13
